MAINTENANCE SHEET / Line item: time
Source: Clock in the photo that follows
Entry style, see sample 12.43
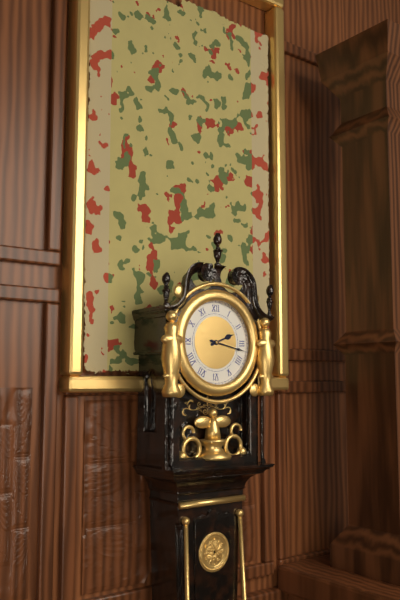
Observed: 2.17
